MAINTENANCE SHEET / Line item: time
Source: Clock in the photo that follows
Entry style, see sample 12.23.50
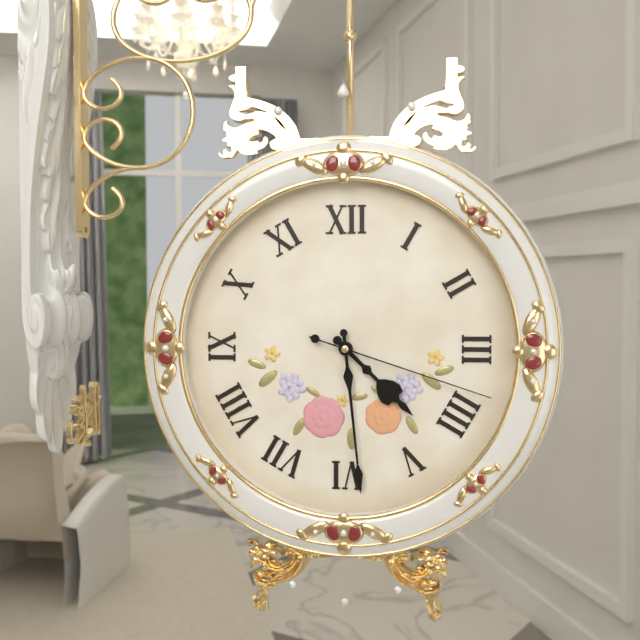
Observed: 4.29.18
